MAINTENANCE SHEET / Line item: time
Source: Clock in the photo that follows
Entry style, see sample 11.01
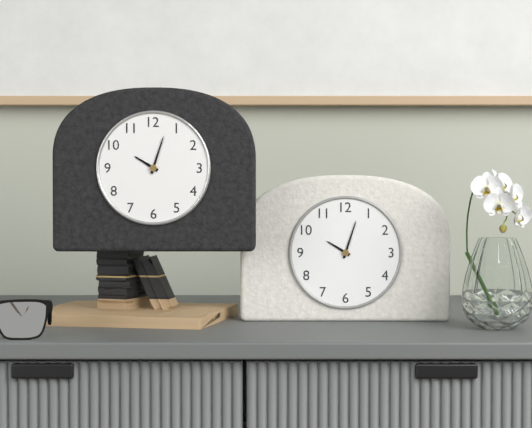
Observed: 10.03
